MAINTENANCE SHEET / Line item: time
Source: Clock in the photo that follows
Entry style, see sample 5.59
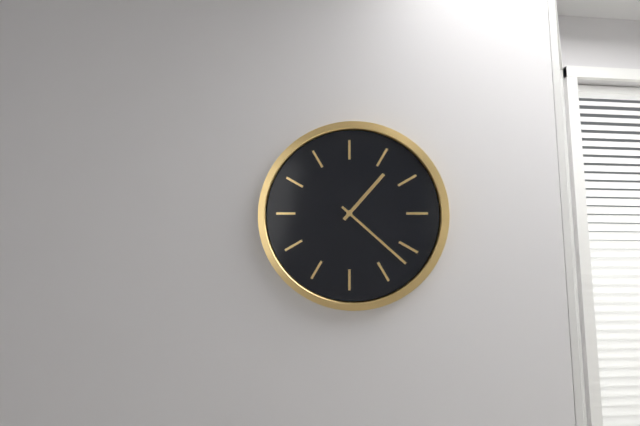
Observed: 1.22
